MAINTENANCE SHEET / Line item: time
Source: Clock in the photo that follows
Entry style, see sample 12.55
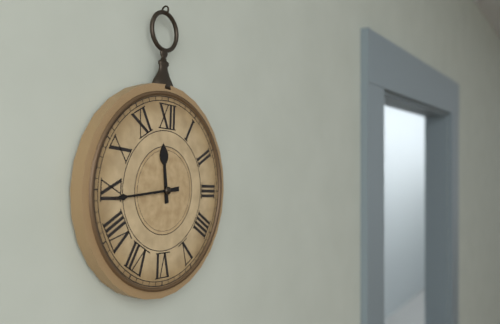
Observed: 11.44
